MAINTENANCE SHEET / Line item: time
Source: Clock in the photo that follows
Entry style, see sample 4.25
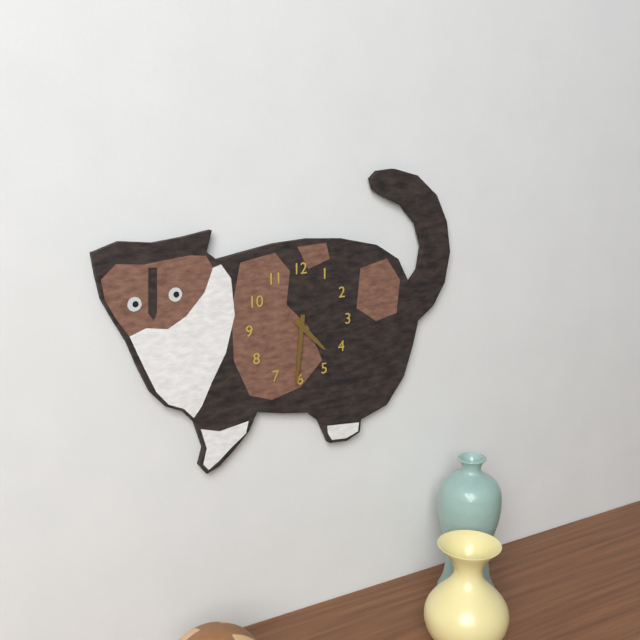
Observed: 4.31
